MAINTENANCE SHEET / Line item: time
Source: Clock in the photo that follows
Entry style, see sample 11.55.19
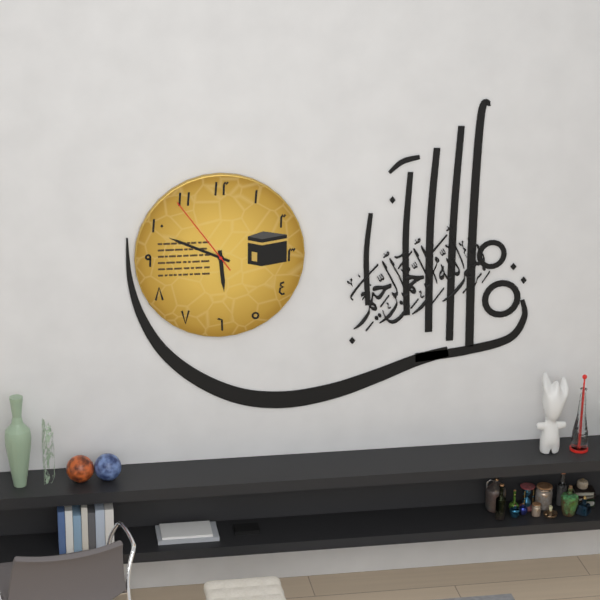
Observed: 5.49.54
